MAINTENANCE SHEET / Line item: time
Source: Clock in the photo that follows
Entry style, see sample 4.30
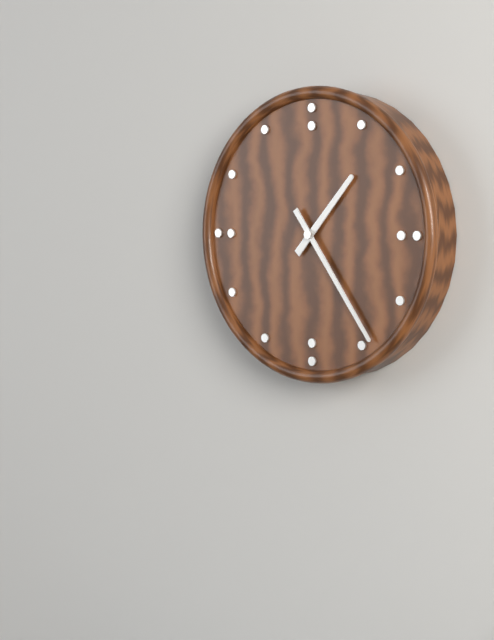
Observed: 1.24
